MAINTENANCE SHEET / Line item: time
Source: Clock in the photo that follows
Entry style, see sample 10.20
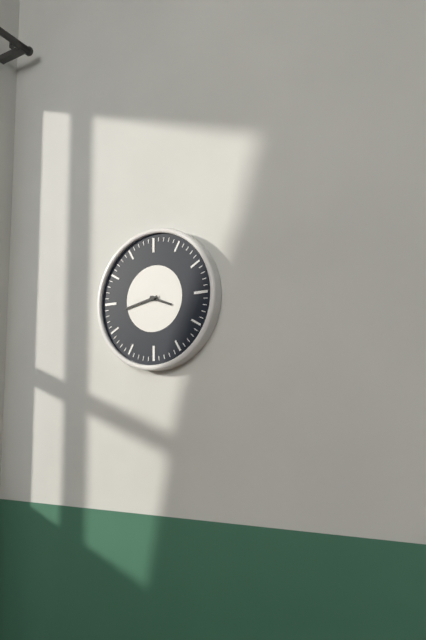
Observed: 3.43
